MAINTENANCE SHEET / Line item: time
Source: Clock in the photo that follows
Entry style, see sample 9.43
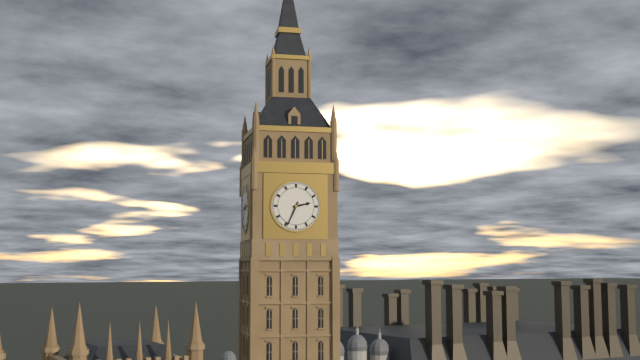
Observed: 2.34
